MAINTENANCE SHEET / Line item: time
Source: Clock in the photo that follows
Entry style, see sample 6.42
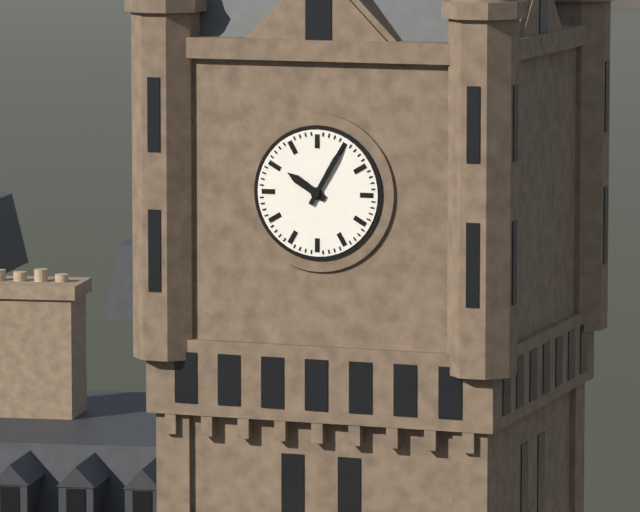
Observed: 10.05
